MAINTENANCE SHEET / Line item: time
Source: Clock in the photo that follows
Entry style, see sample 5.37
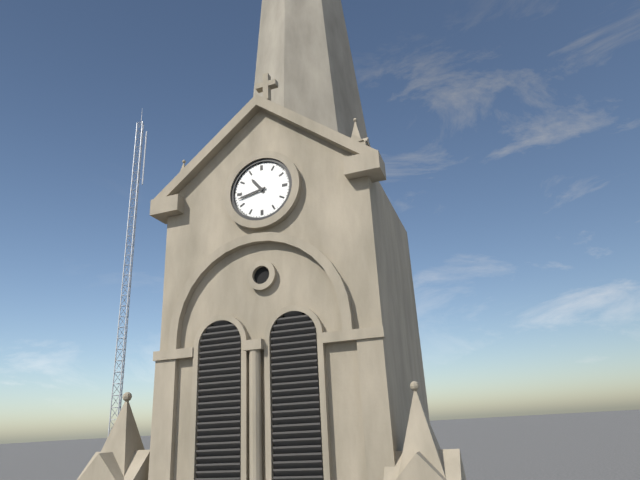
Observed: 10.43
